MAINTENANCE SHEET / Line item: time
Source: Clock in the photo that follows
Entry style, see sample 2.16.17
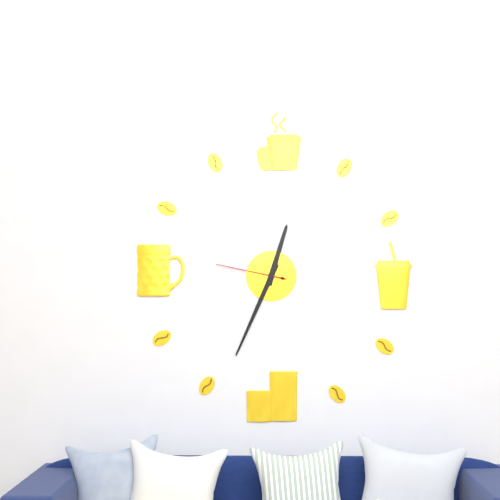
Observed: 12.34.47
